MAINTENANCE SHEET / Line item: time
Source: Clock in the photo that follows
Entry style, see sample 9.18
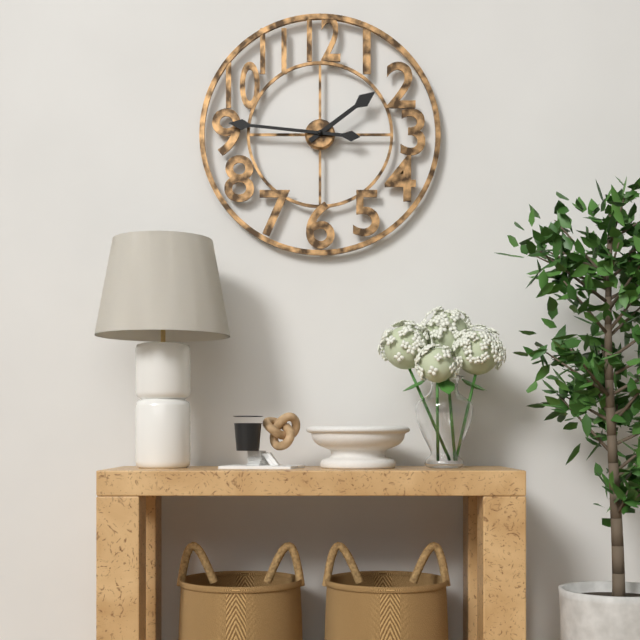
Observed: 1.46
